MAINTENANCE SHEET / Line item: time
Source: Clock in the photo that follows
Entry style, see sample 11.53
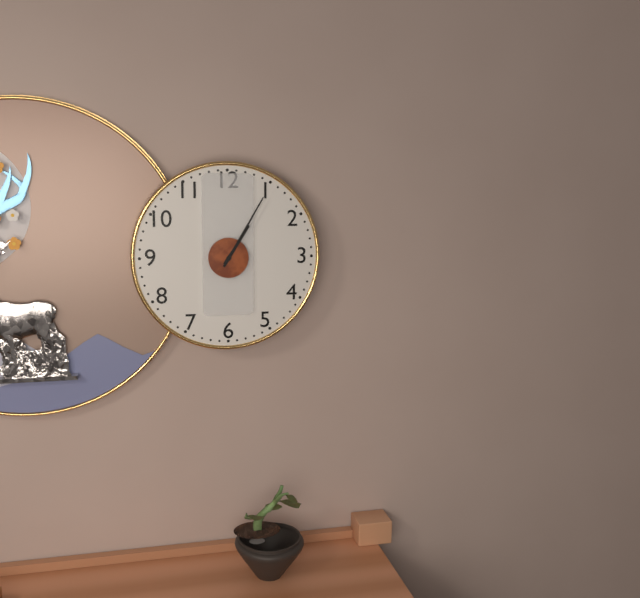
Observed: 1.05
